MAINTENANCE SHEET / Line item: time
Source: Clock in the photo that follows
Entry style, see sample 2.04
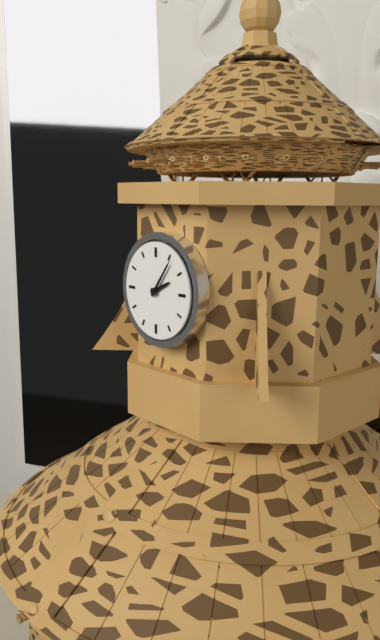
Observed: 2.06
